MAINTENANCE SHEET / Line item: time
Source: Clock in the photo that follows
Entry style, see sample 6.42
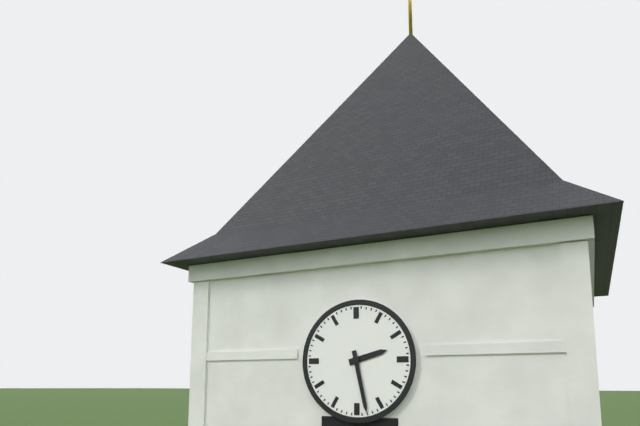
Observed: 2.28
